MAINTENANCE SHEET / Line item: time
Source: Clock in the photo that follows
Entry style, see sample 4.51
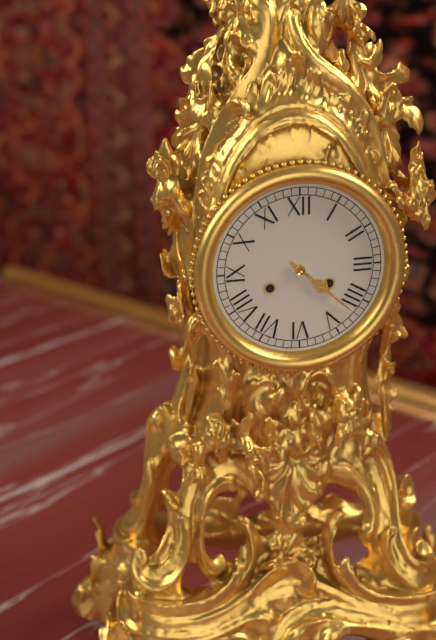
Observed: 4.22
